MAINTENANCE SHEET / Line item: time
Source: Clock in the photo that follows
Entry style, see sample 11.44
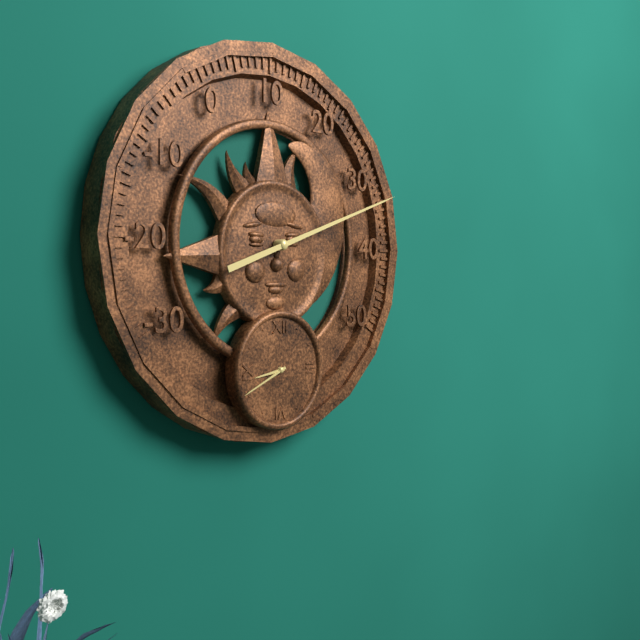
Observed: 8.41
